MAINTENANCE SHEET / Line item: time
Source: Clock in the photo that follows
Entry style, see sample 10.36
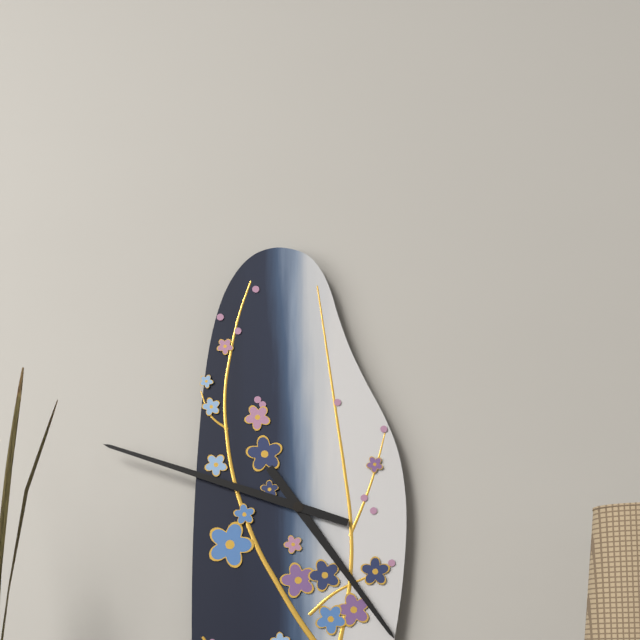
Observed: 4.48
